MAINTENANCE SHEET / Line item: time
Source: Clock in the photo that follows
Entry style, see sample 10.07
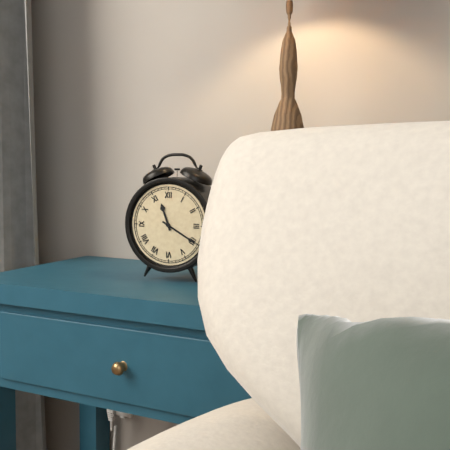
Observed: 11.20
